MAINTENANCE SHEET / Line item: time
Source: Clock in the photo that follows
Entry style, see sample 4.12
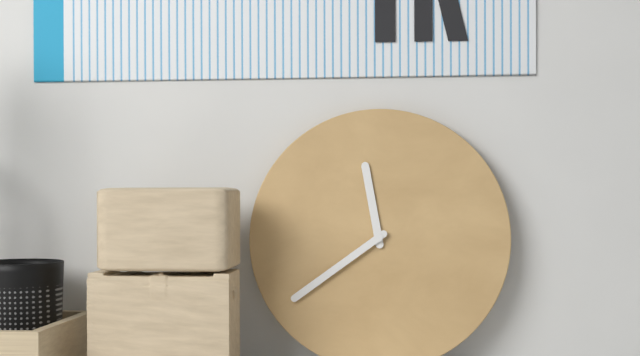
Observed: 11.39
